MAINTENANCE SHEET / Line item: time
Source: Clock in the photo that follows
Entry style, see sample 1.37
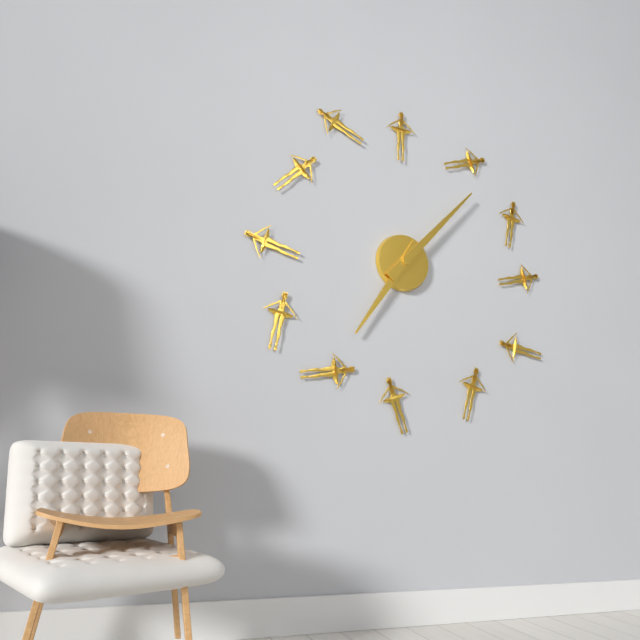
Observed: 7.07
